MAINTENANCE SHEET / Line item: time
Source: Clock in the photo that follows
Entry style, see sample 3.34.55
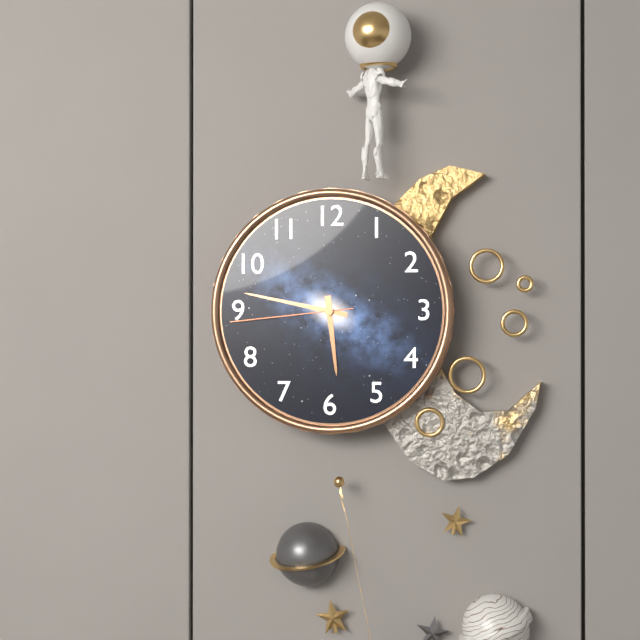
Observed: 5.47.44
